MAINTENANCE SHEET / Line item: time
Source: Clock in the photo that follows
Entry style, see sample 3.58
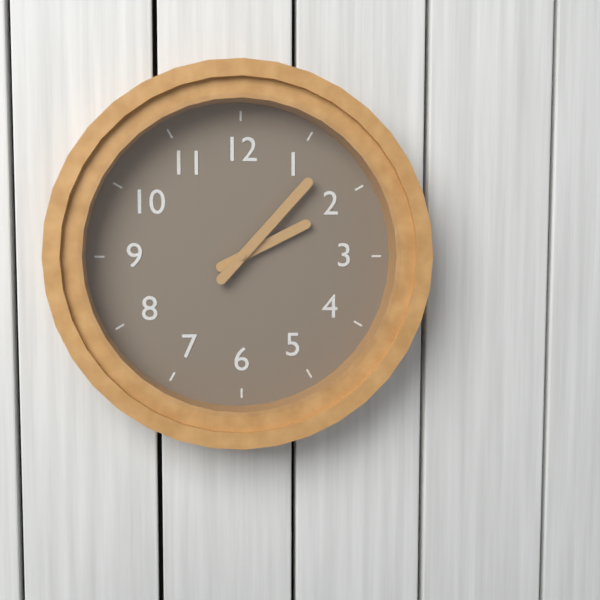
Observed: 2.07
